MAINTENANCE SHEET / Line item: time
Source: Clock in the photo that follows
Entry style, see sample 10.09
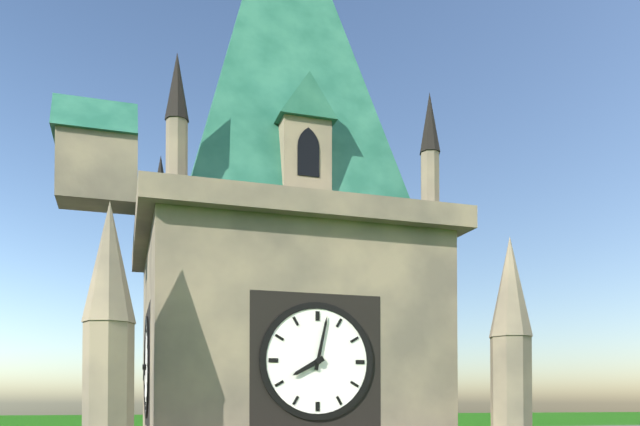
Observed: 8.02
